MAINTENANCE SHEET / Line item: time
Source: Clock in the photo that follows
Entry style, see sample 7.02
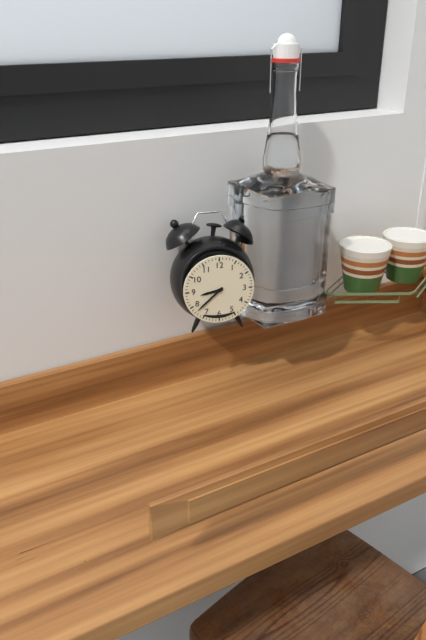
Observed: 8.38
